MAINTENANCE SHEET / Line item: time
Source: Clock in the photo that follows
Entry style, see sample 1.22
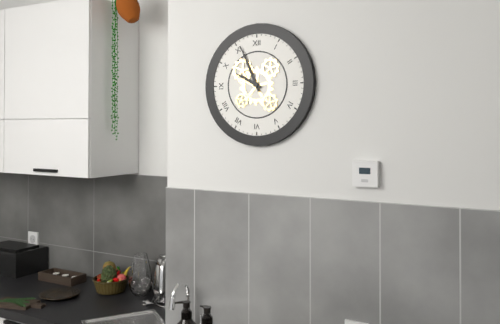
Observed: 9.56
